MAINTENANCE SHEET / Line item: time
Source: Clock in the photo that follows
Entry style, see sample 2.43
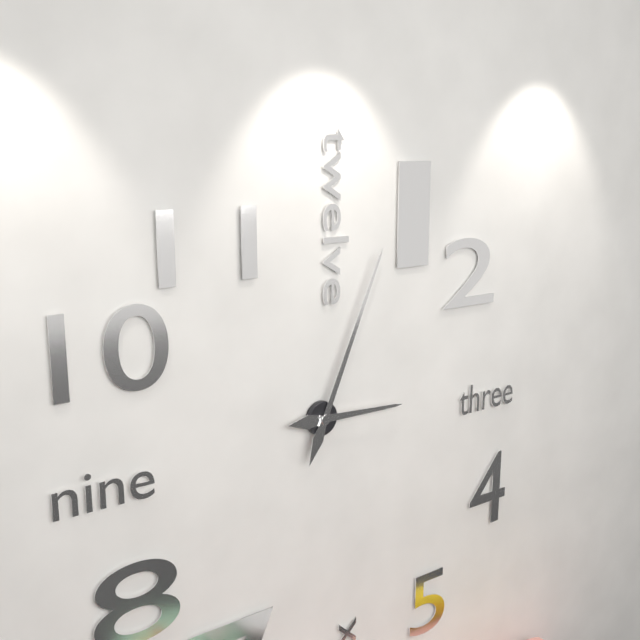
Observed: 3.04
